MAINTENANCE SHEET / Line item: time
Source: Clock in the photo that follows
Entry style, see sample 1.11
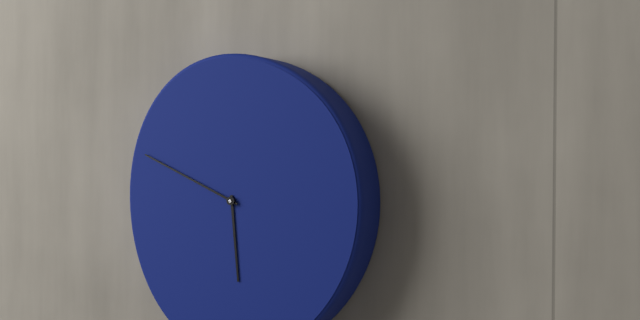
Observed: 5.49
